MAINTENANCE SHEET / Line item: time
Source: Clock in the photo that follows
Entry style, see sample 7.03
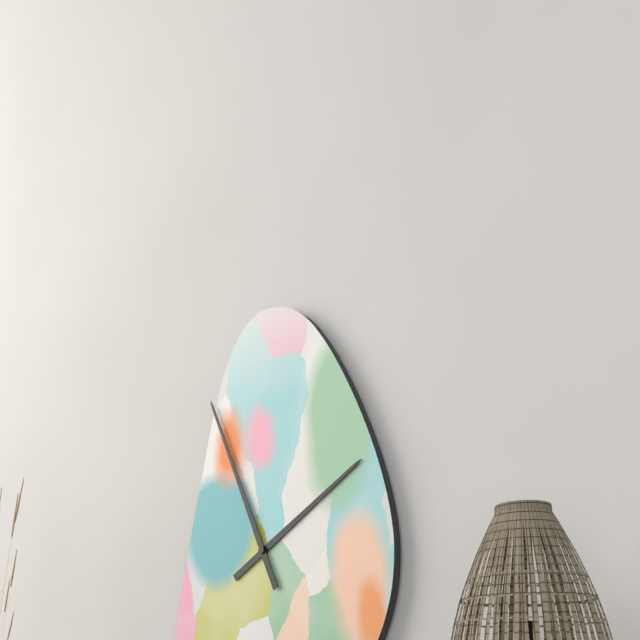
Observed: 1.56
